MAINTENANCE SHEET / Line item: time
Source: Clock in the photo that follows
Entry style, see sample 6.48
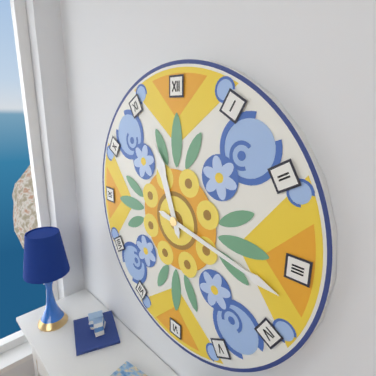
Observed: 11.17
